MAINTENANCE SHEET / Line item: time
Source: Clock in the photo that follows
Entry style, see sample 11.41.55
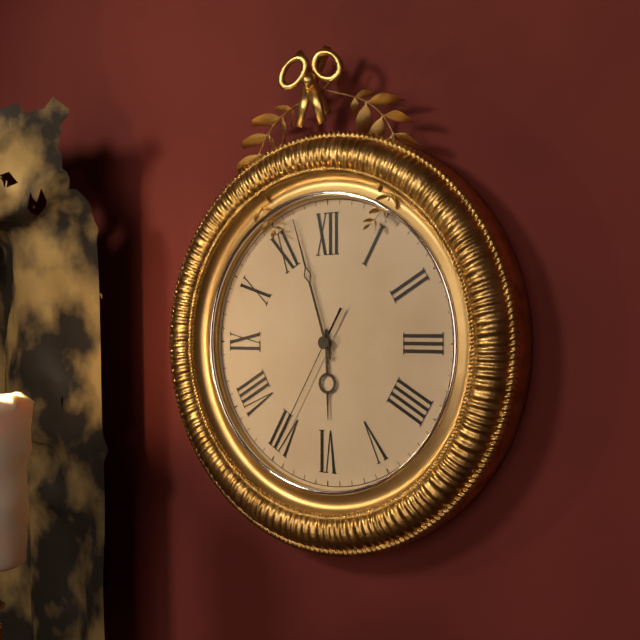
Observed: 5.57.35
